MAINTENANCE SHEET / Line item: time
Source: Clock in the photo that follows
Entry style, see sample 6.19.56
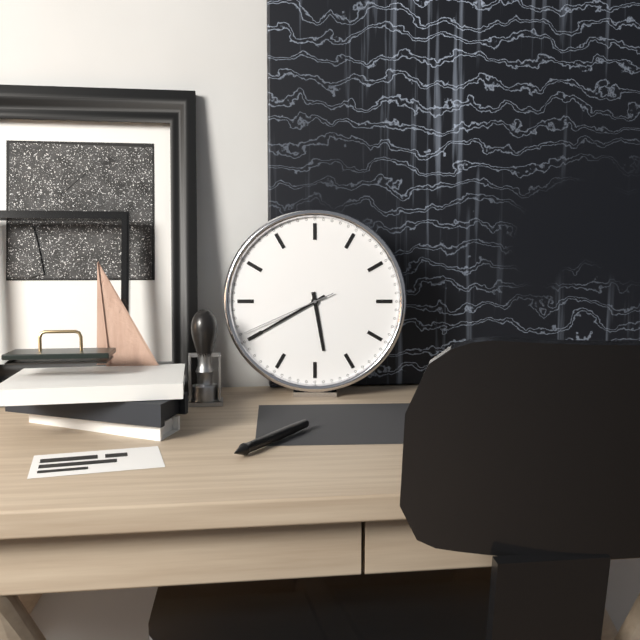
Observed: 5.40.41
